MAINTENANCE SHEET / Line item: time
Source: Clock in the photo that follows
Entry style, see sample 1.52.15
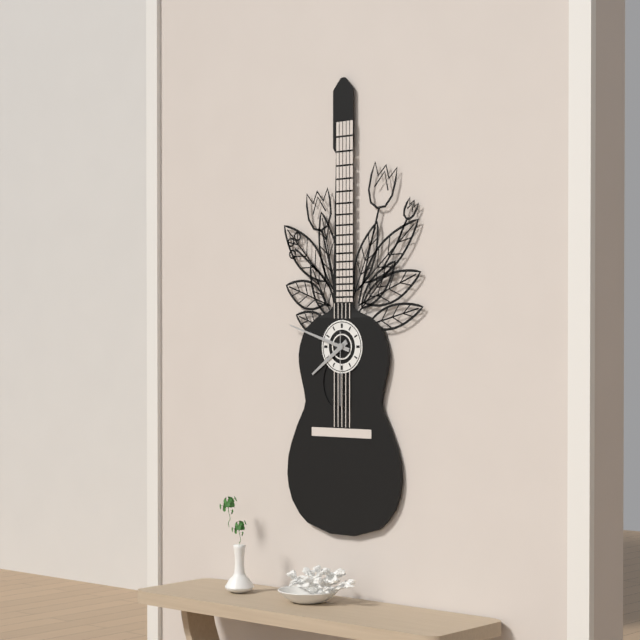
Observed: 7.48.30
